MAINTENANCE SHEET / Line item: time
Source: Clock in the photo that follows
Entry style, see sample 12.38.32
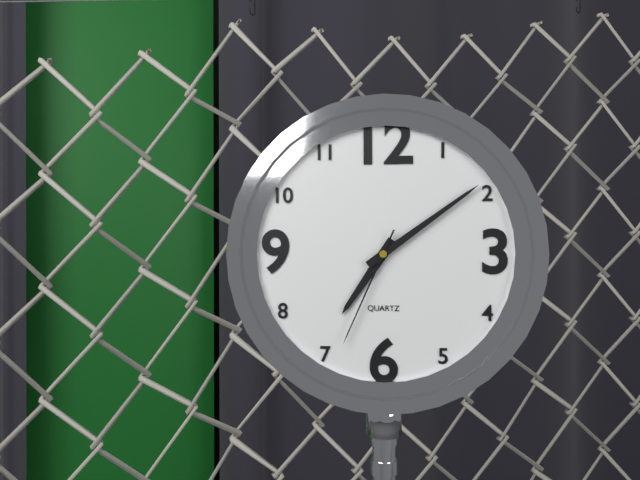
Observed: 7.09.34
